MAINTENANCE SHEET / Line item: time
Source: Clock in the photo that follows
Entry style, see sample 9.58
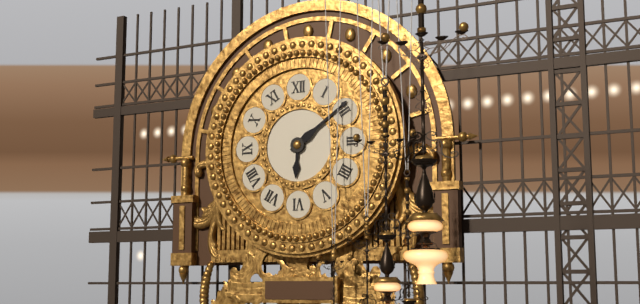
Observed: 6.09
